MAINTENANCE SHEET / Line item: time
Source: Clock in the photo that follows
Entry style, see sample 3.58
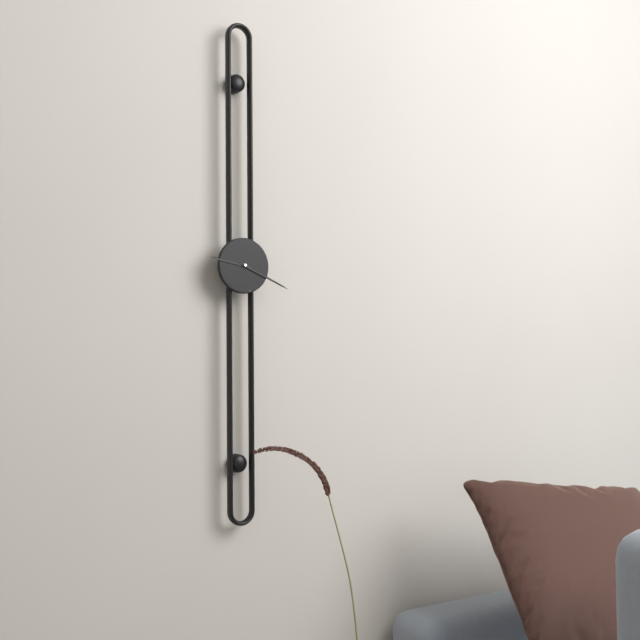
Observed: 9.19
